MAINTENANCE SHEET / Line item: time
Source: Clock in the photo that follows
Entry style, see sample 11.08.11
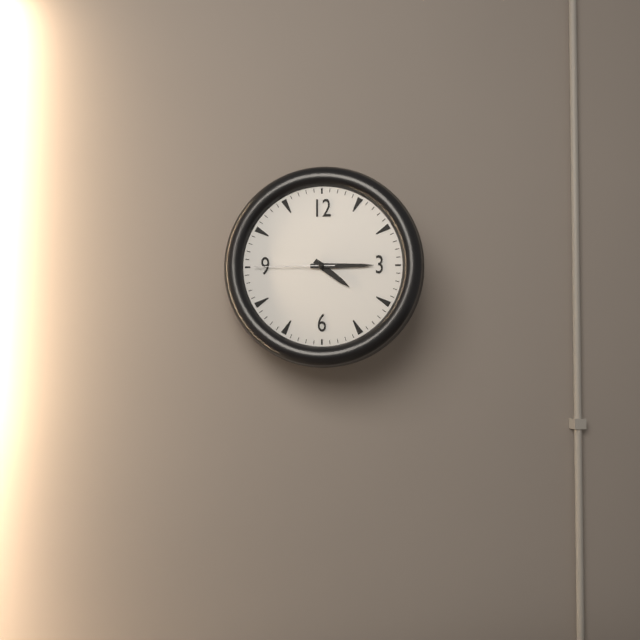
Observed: 4.15.45
